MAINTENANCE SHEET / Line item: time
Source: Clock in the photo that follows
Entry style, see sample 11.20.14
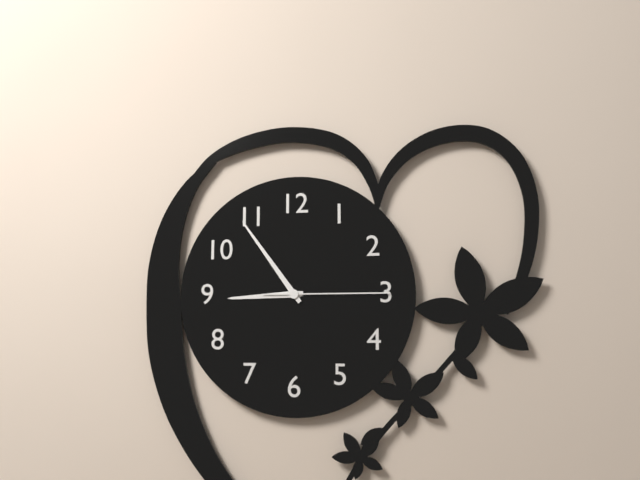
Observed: 8.54.15
